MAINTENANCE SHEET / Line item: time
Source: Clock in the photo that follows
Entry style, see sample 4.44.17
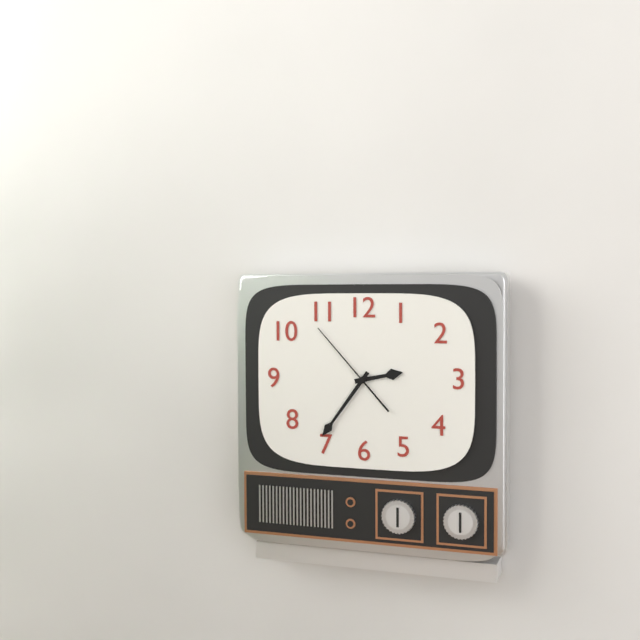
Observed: 2.36.53
